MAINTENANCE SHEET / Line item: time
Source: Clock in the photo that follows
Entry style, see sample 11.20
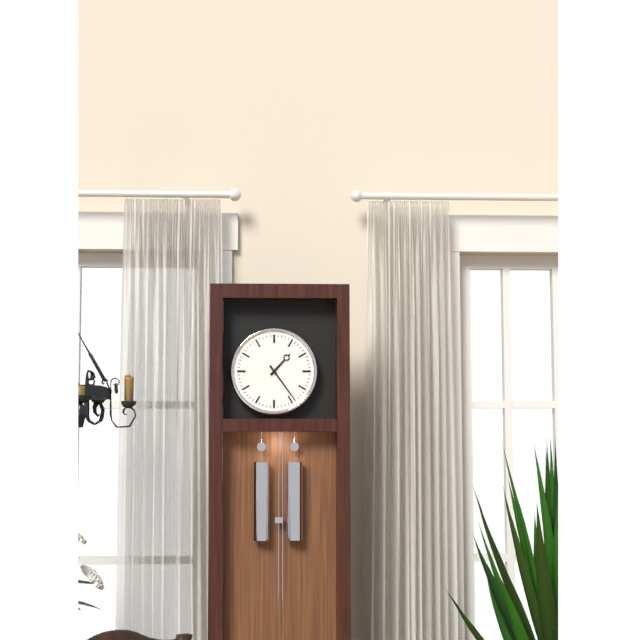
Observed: 1.24
